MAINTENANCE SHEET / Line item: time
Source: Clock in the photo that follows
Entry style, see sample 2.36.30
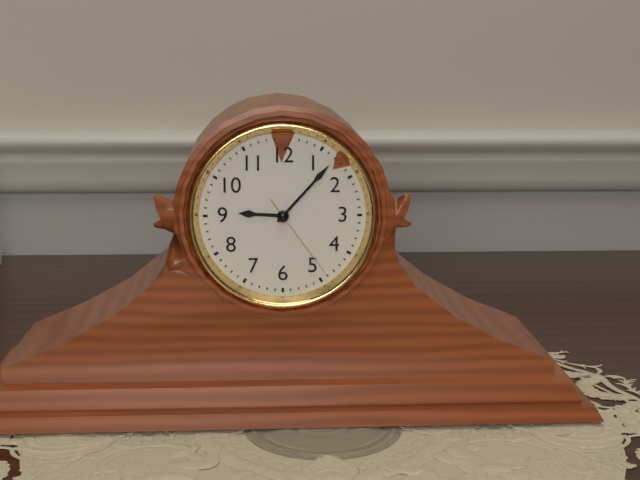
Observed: 9.07.24
